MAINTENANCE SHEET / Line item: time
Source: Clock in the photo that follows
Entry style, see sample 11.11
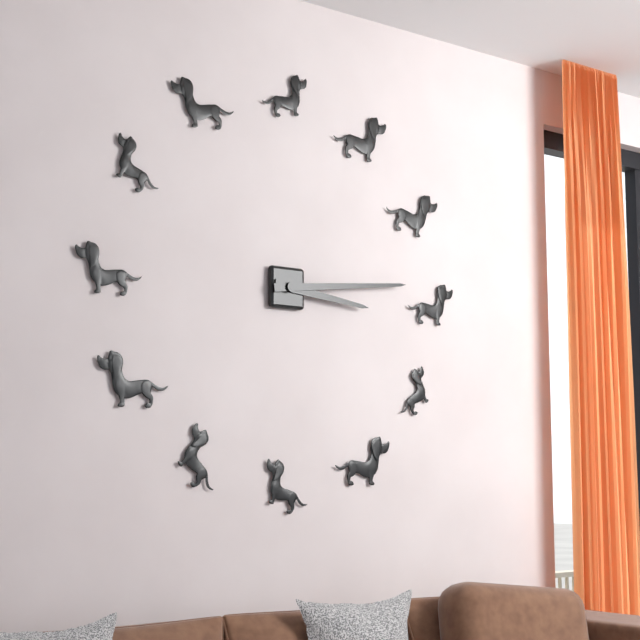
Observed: 3.14
